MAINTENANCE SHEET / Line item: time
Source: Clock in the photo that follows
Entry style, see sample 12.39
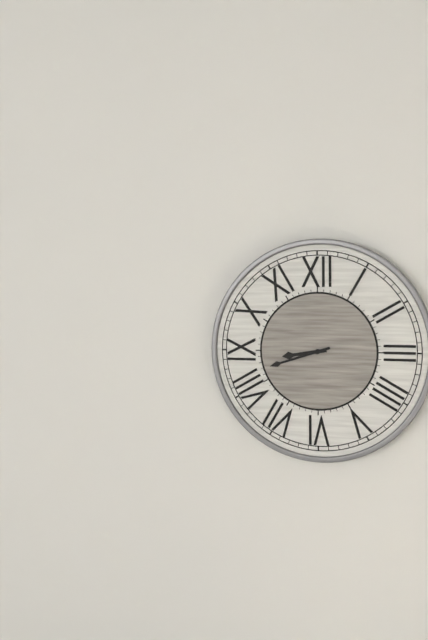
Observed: 8.42
